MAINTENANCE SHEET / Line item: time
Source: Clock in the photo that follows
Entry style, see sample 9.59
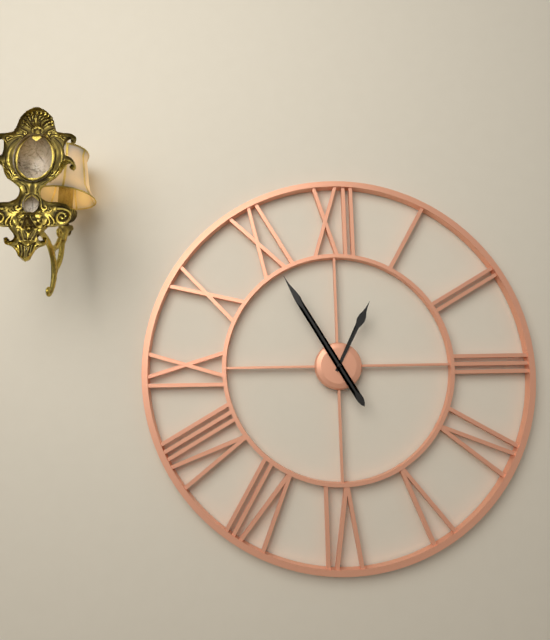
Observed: 12.55
